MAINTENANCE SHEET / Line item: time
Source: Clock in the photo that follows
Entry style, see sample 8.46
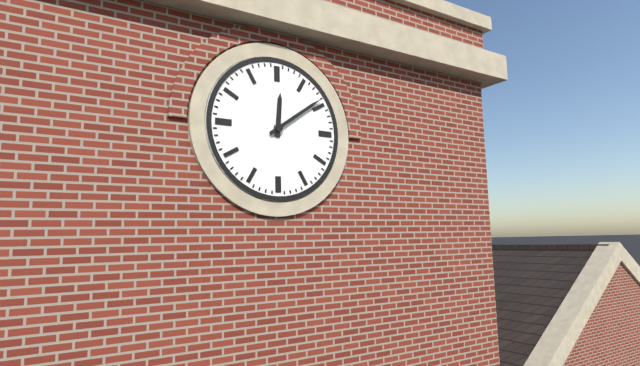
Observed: 12.09
